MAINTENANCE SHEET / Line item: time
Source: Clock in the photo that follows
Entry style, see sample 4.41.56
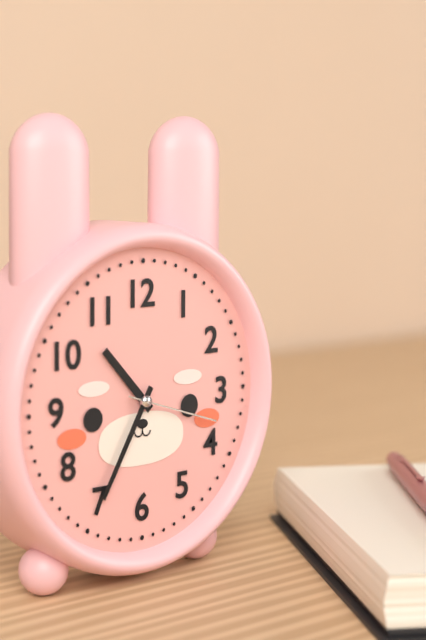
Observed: 10.35.18
